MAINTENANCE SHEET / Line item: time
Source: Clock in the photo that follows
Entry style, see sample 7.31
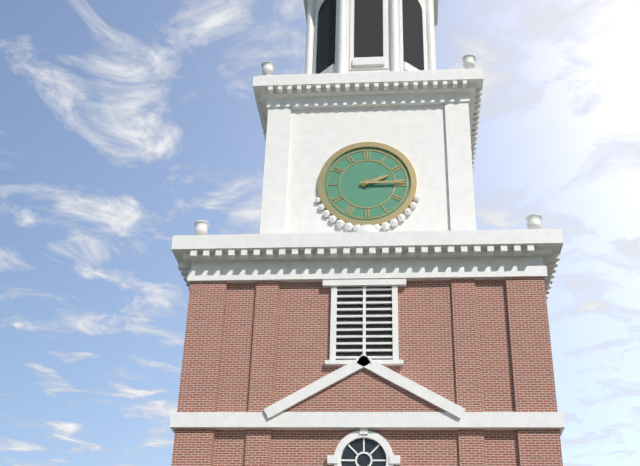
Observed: 2.15
